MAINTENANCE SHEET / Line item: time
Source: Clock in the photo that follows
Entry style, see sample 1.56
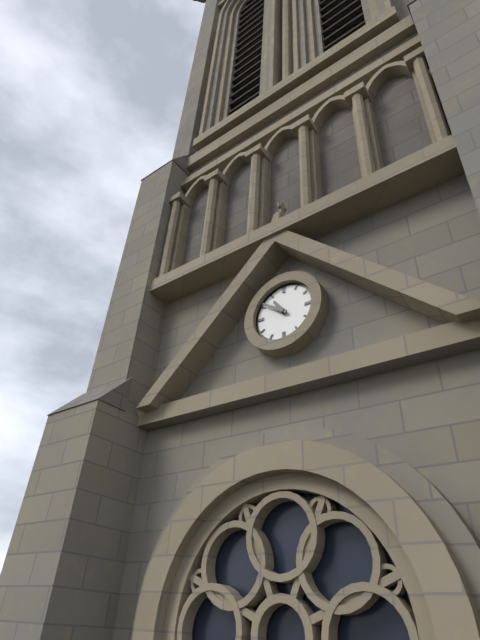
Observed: 10.51
